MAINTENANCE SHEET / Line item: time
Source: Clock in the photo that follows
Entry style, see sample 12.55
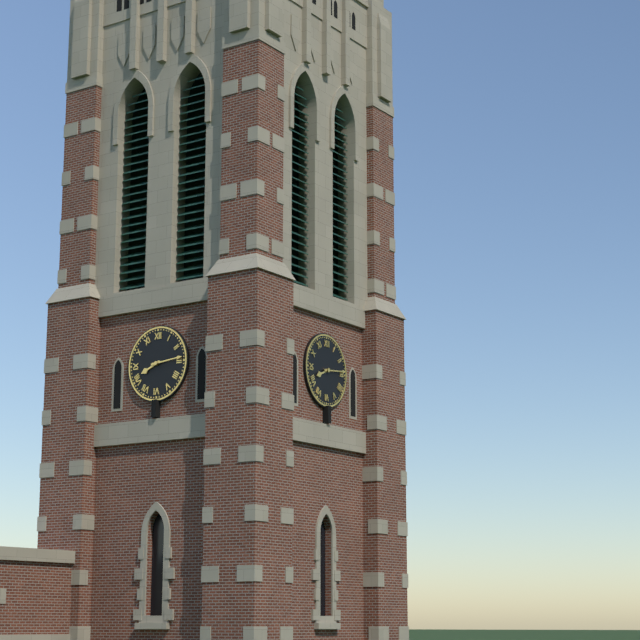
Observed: 8.14
